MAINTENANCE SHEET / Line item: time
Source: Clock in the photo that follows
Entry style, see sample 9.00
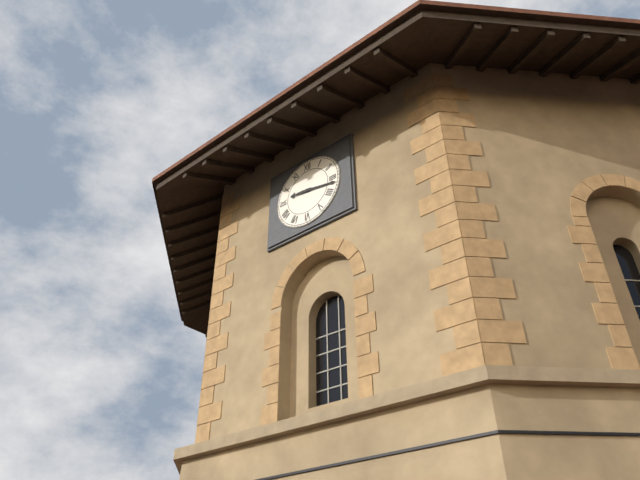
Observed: 9.17
